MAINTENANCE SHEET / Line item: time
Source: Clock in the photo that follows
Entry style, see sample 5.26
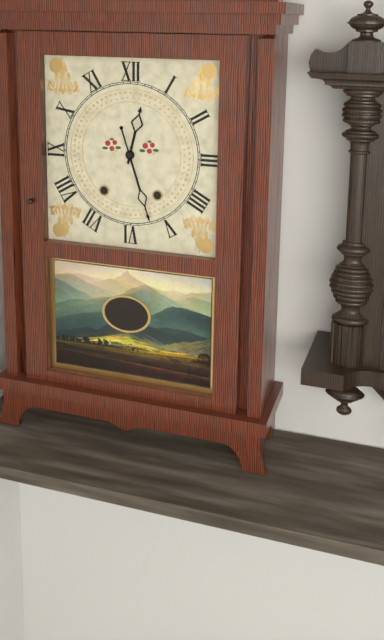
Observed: 12.27
